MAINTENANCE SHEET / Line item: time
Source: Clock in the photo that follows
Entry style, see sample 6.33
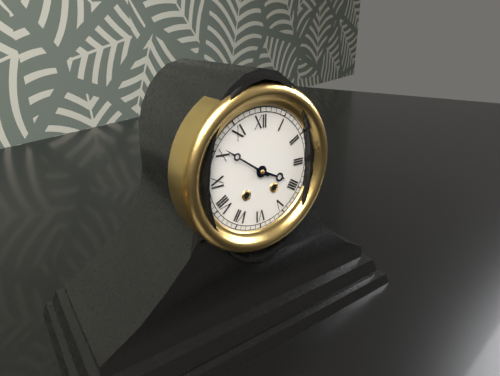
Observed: 3.51
